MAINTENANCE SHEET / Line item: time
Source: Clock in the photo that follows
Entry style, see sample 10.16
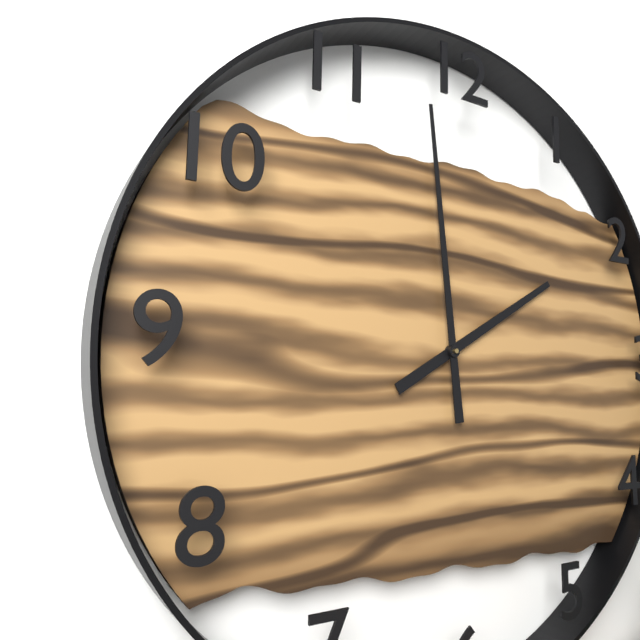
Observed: 1.59
